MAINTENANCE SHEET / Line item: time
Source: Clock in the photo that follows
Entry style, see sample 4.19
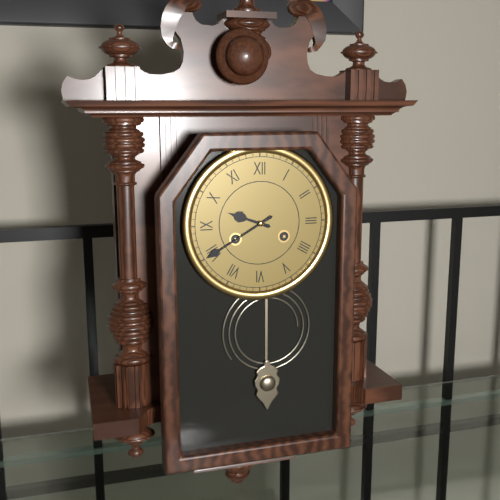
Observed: 9.40
